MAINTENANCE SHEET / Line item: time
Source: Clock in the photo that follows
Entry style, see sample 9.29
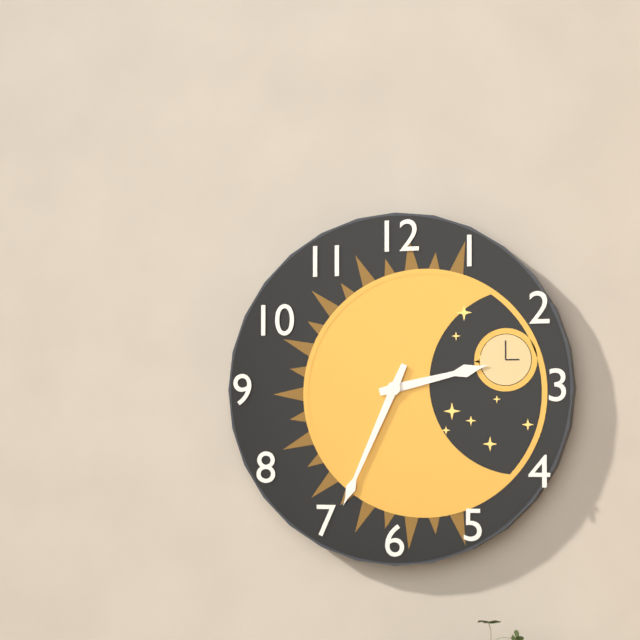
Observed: 2.34
